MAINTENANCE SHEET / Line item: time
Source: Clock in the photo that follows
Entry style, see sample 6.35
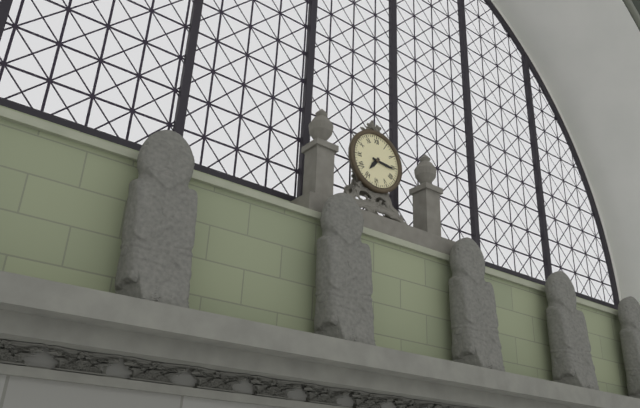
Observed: 7.16
